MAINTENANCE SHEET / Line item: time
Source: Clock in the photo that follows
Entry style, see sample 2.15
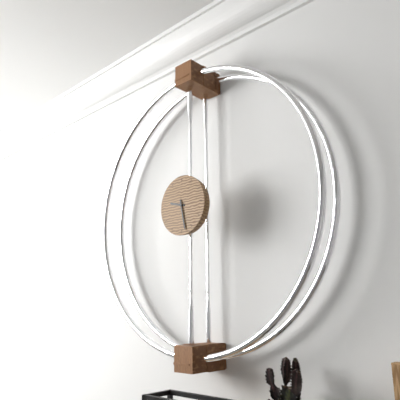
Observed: 9.28
